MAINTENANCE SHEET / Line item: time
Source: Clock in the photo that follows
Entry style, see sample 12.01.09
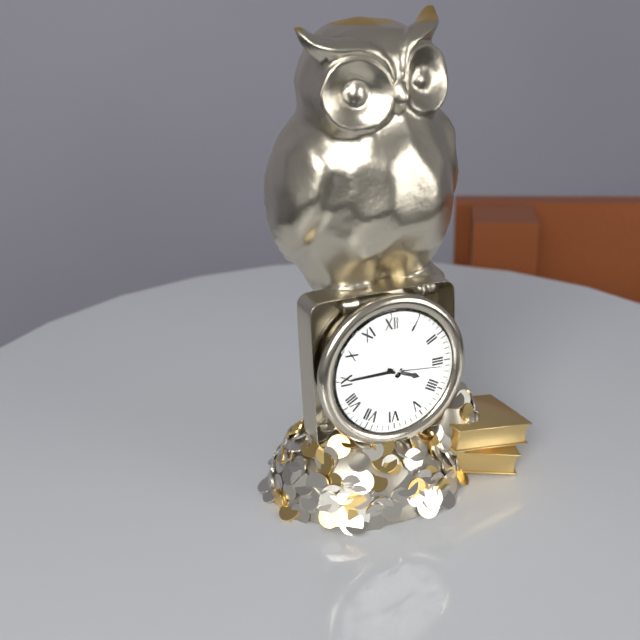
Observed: 3.45.16
